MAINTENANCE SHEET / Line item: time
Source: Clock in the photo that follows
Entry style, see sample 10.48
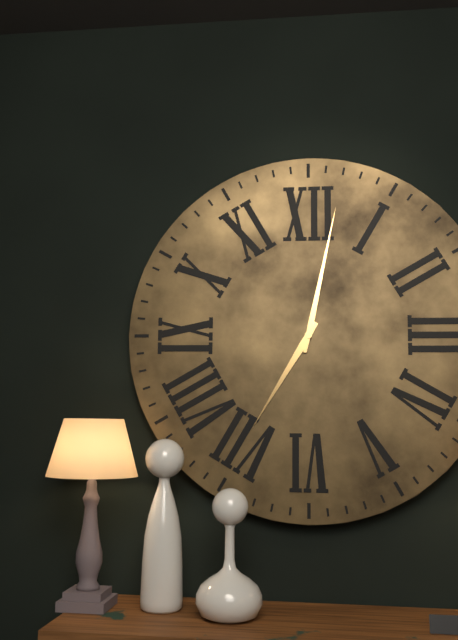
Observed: 7.02
